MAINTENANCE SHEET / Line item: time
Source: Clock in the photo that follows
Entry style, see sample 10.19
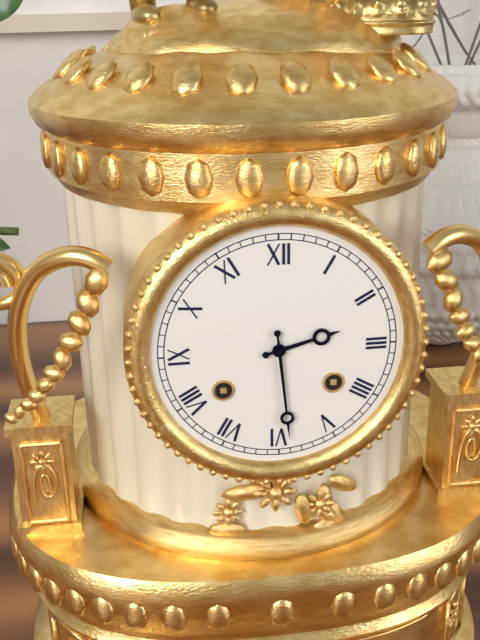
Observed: 2.29
